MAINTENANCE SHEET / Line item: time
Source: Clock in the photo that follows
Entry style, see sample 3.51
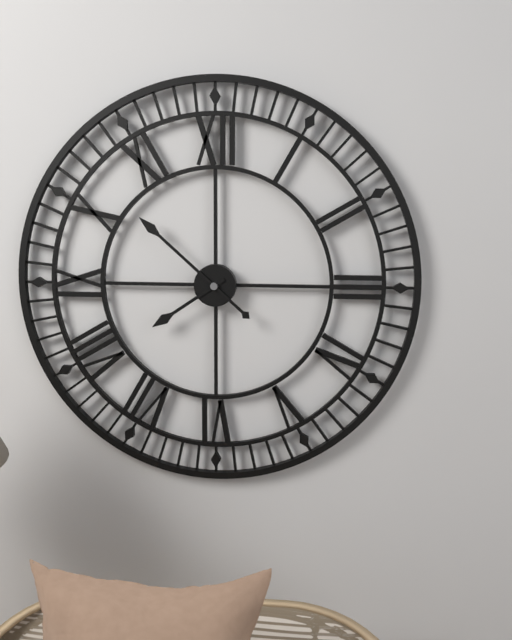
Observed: 7.52
